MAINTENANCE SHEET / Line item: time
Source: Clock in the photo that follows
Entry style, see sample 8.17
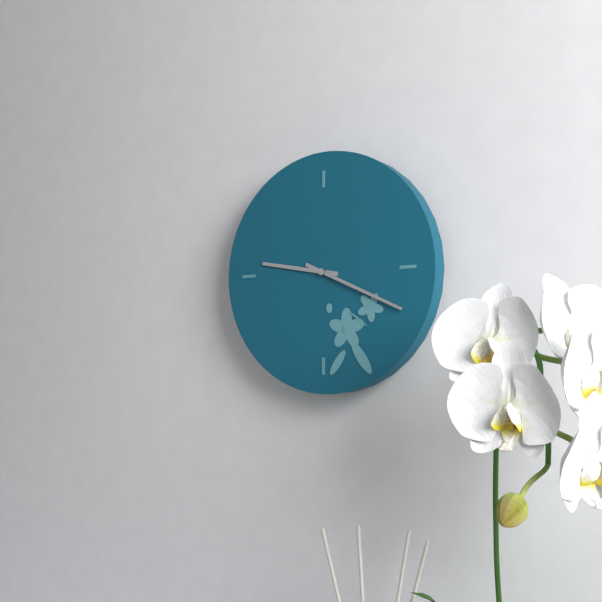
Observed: 9.19
